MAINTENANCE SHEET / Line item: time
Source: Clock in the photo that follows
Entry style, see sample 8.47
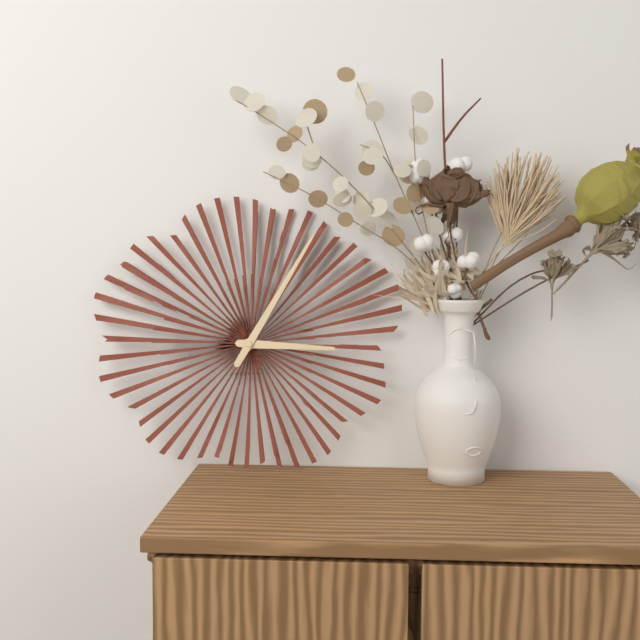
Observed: 3.05
